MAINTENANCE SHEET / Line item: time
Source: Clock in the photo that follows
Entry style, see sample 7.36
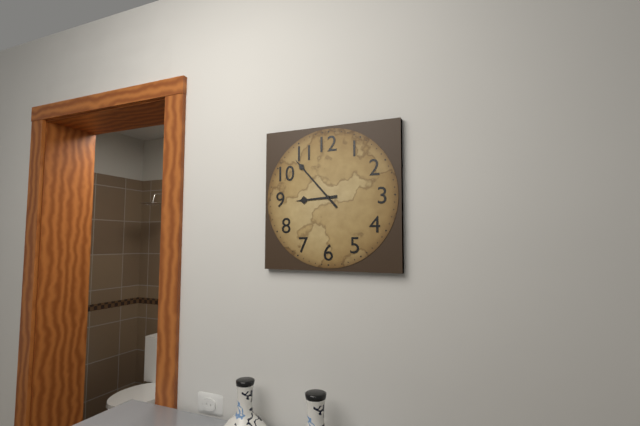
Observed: 8.53
